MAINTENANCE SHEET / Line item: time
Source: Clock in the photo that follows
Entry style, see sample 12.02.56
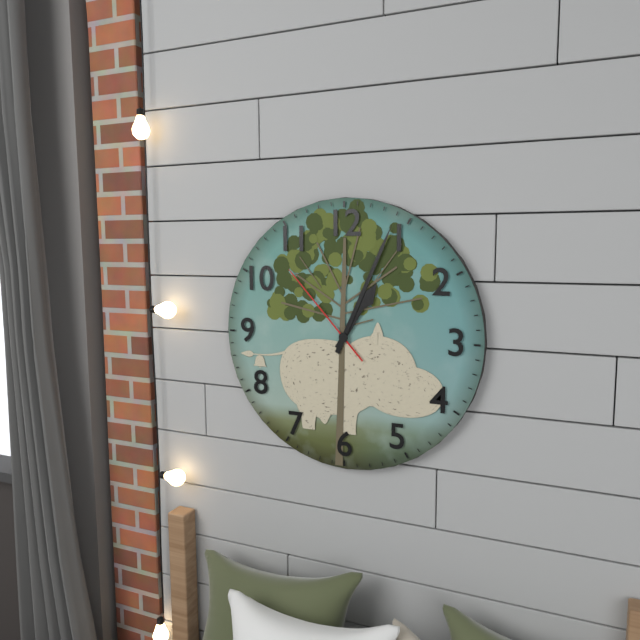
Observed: 1.04.53
